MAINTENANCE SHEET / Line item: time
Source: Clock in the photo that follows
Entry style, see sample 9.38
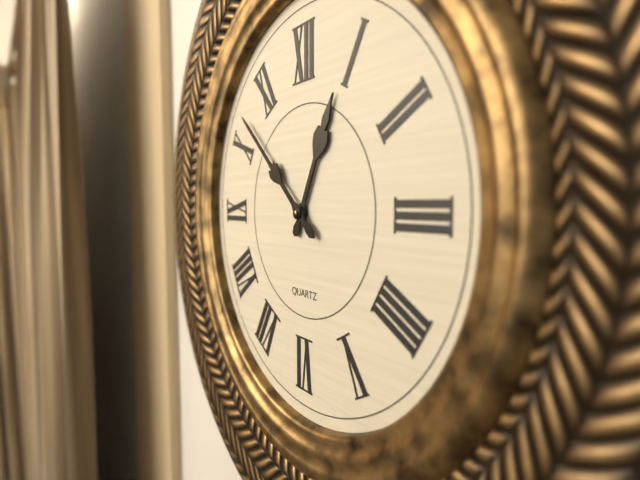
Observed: 12.52
